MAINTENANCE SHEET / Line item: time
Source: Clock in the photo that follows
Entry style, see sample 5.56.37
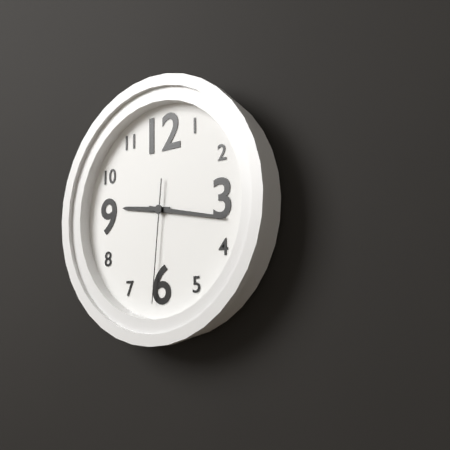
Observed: 9.17.31
